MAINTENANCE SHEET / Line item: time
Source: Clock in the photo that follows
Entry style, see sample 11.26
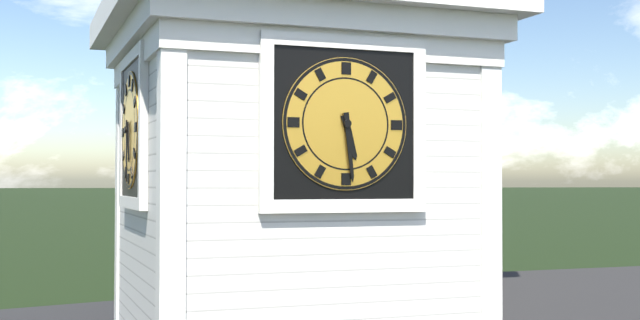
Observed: 5.29
